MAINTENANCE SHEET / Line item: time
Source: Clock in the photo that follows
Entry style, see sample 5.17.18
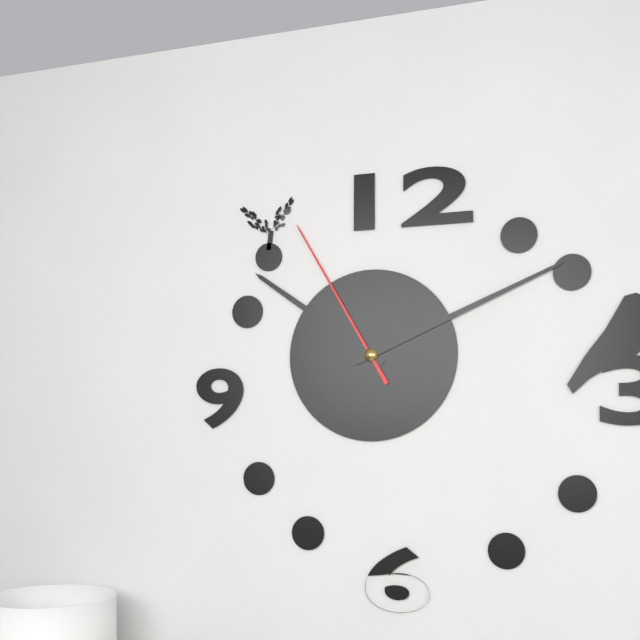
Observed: 10.11.55
